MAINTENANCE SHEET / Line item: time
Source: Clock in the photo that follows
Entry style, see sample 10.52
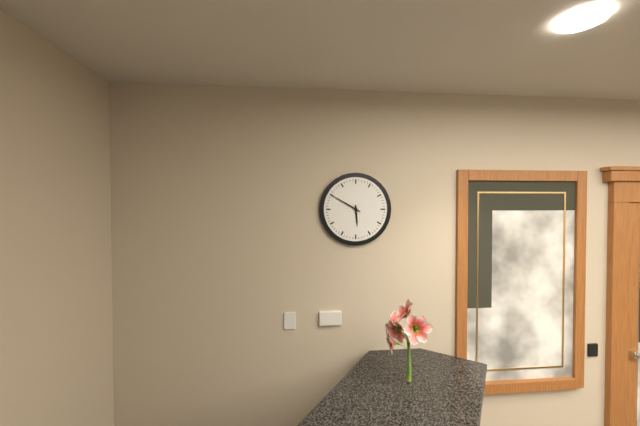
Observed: 5.50
